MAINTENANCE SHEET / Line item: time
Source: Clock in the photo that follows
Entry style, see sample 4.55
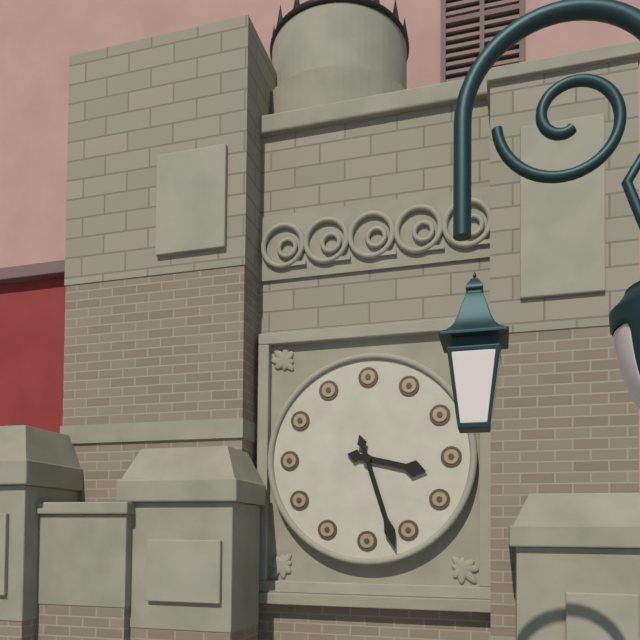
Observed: 3.27
